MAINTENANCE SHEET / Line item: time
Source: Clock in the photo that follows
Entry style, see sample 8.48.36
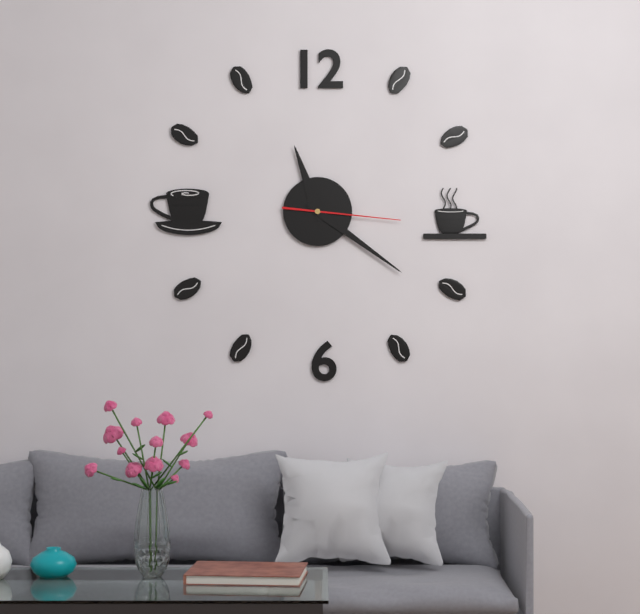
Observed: 11.21.16
